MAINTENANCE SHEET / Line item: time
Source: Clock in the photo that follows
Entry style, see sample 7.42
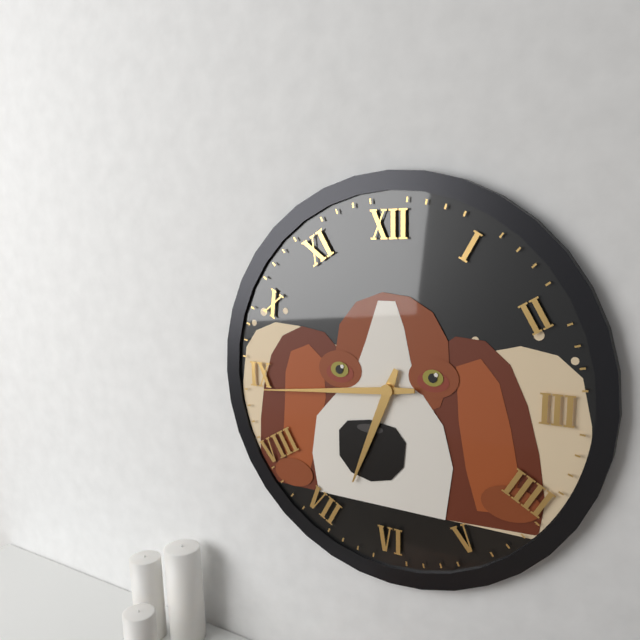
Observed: 6.44
